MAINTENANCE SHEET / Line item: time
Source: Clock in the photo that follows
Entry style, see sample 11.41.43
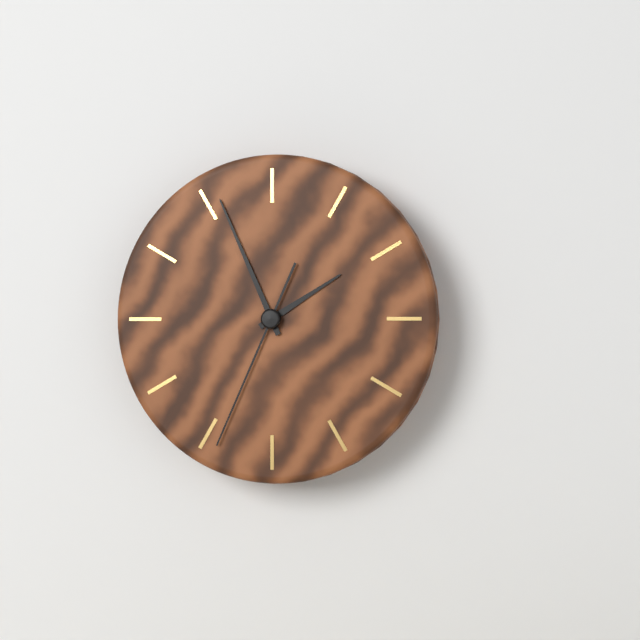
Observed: 1.56.34
